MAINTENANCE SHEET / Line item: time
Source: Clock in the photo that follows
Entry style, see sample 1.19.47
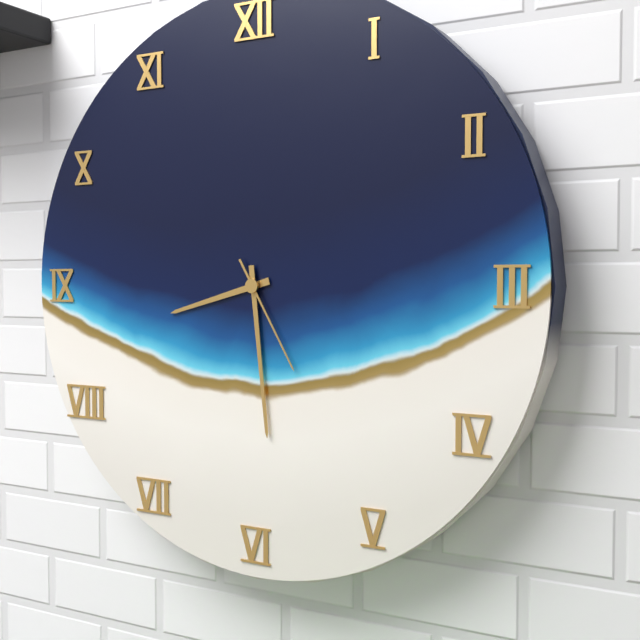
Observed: 8.29.25
